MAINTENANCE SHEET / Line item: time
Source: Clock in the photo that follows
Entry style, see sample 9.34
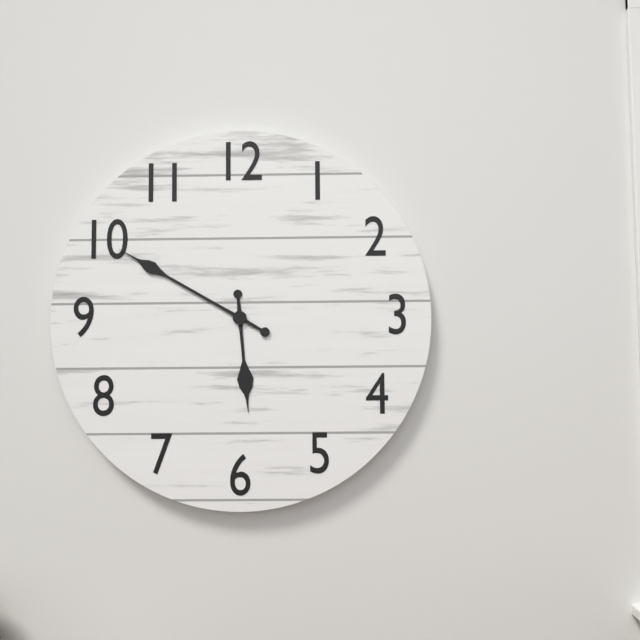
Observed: 5.50
